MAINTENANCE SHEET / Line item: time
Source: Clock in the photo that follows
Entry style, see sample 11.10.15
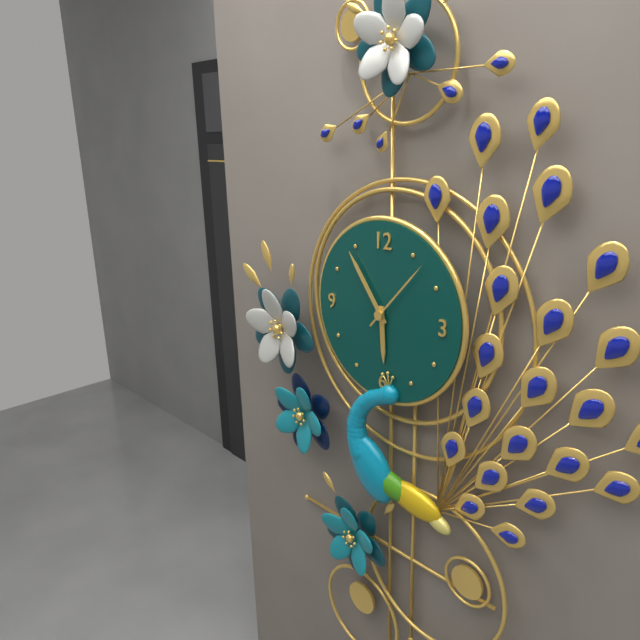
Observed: 5.54.07
